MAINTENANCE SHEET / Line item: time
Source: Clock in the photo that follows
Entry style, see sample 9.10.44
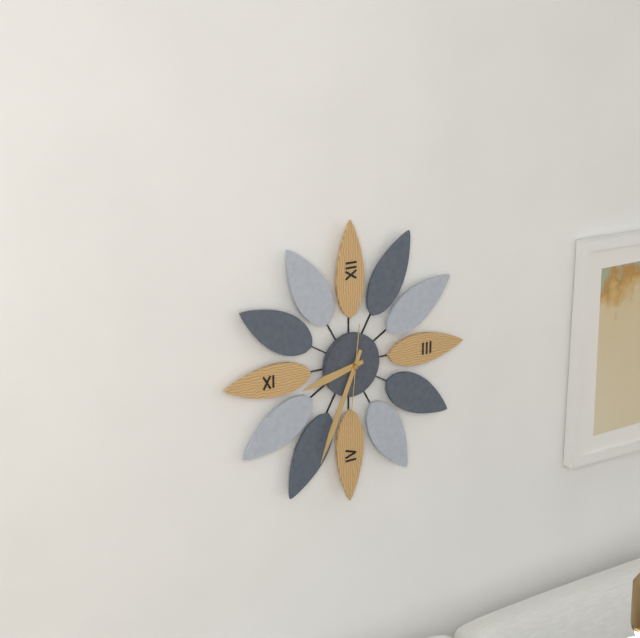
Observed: 8.34.31
